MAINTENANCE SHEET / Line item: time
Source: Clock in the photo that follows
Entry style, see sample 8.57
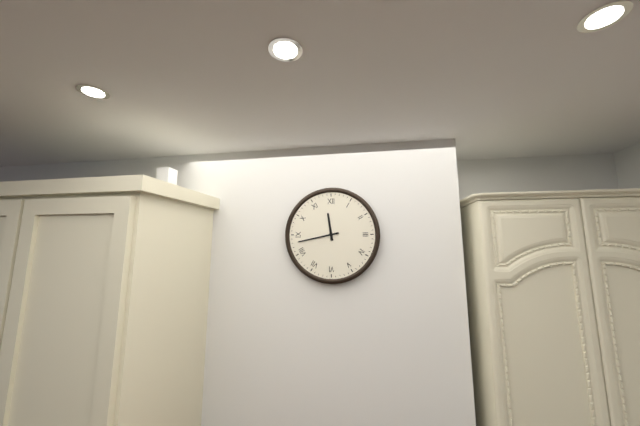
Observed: 11.43
